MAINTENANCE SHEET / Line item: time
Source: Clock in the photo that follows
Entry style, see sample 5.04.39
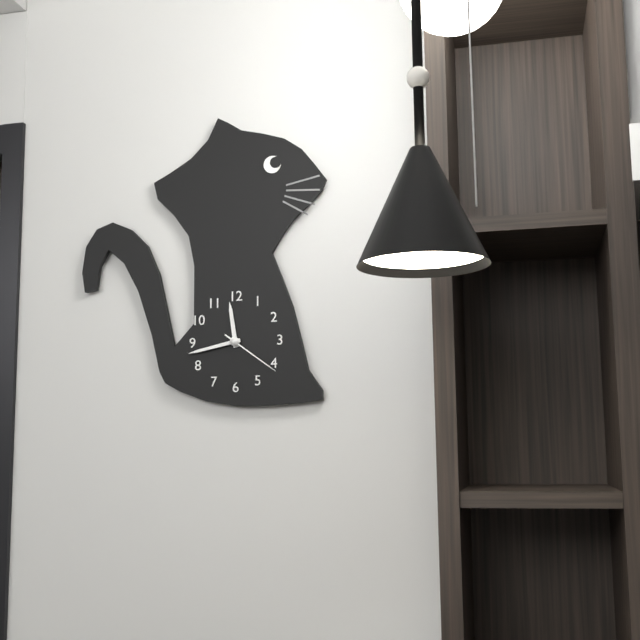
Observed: 11.43.21
